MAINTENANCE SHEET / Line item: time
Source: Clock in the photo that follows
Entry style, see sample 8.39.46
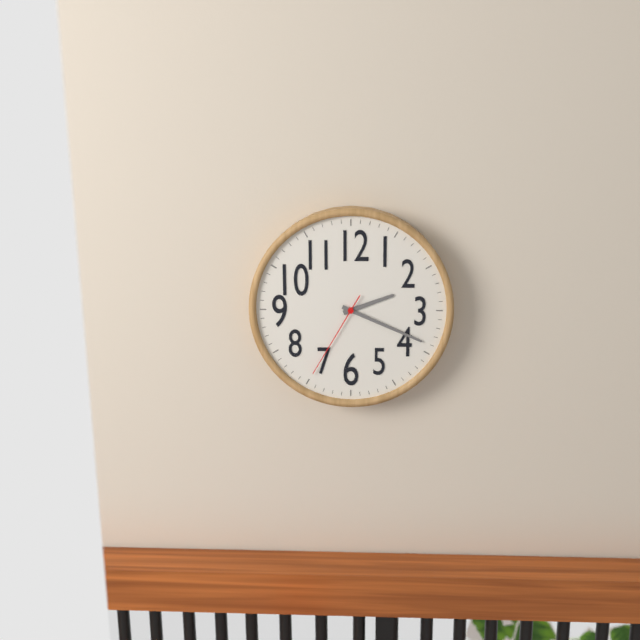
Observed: 2.19.35
